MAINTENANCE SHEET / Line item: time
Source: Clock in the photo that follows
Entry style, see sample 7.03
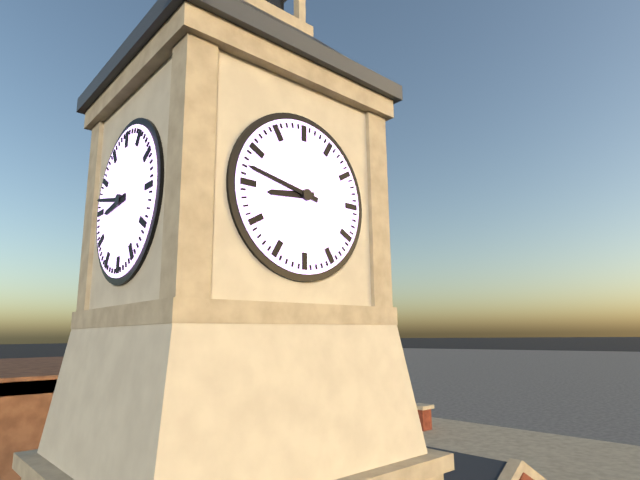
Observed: 8.47
